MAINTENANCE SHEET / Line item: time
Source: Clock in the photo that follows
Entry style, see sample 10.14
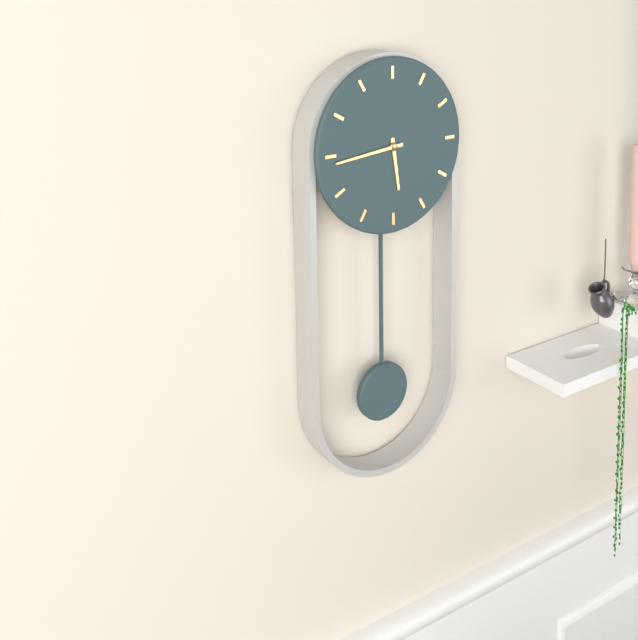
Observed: 5.44
